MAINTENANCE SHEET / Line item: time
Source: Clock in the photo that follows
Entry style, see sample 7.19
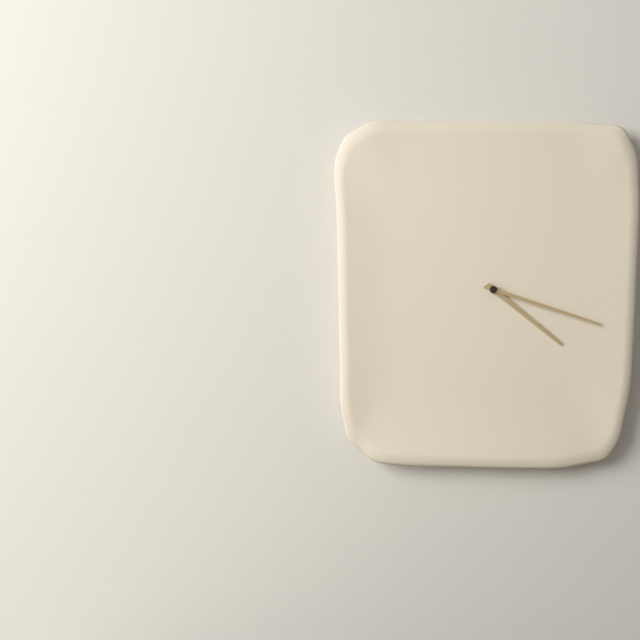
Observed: 4.18
